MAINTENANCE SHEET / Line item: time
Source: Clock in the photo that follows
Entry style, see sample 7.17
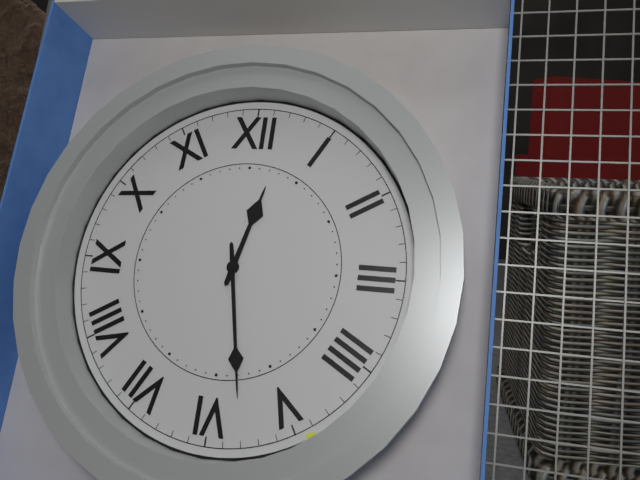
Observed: 12.28
